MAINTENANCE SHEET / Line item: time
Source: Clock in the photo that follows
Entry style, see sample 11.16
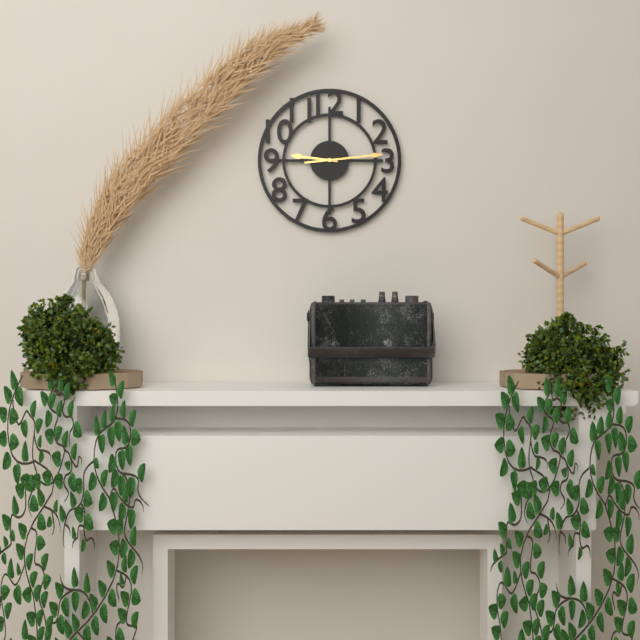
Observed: 9.14
